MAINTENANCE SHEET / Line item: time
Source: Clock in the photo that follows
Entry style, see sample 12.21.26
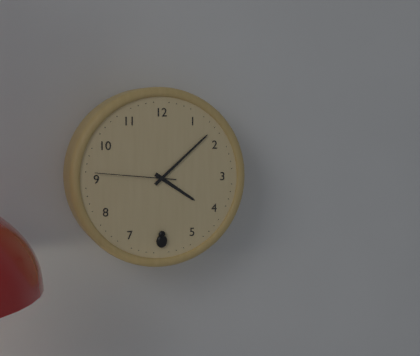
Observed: 4.08.46
